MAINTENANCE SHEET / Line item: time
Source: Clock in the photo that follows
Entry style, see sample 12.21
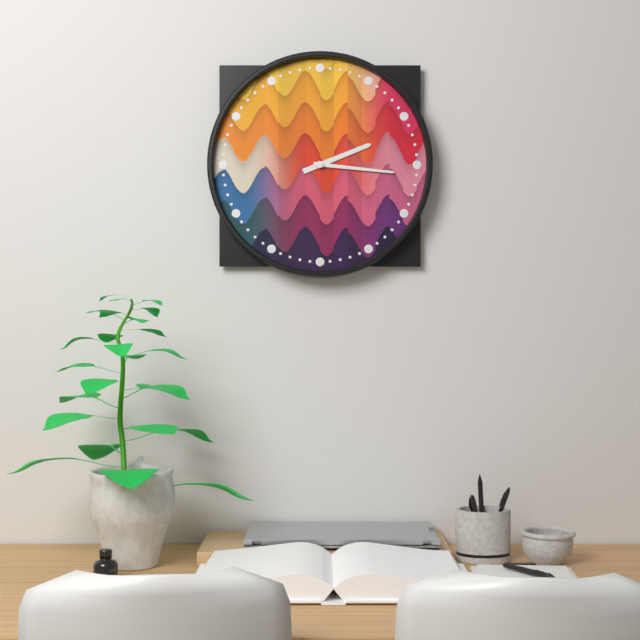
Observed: 2.16
